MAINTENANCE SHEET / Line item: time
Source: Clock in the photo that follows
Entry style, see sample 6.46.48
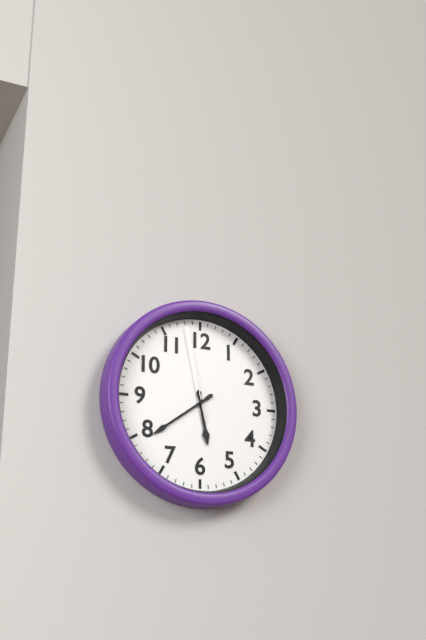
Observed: 5.39.58
